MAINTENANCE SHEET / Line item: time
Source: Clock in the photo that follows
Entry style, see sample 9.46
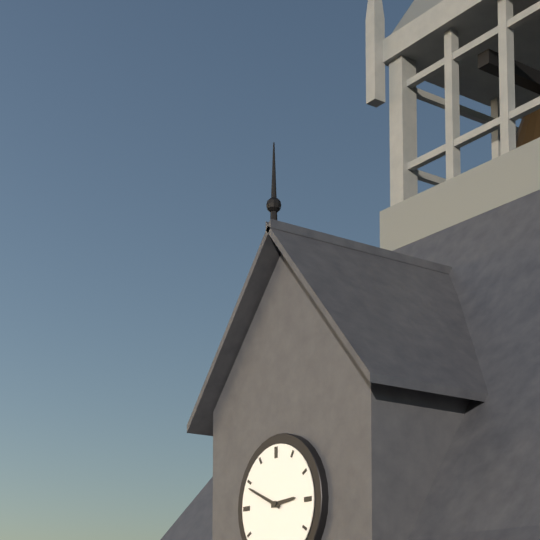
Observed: 2.49
